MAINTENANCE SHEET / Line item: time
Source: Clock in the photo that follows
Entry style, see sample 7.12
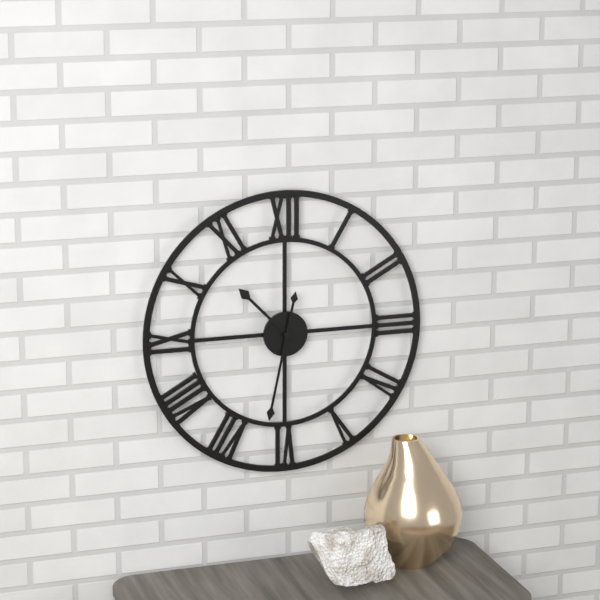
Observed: 10.32
